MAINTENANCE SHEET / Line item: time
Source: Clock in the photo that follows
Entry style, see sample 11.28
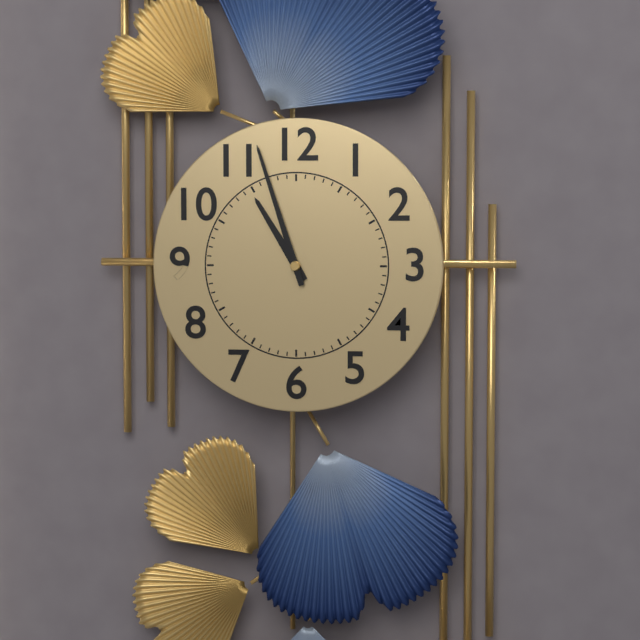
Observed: 10.57
